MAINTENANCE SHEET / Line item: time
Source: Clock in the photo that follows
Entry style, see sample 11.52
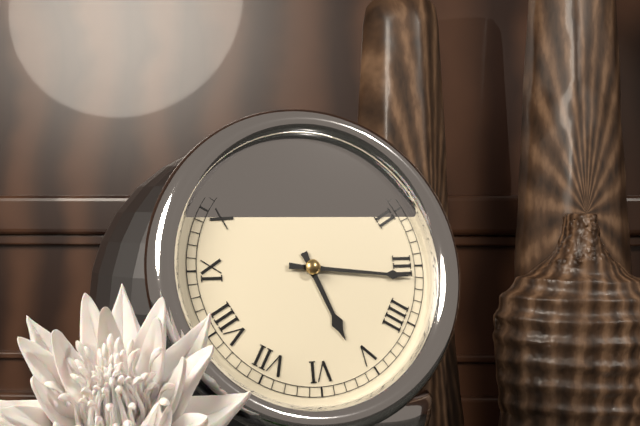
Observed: 5.16
